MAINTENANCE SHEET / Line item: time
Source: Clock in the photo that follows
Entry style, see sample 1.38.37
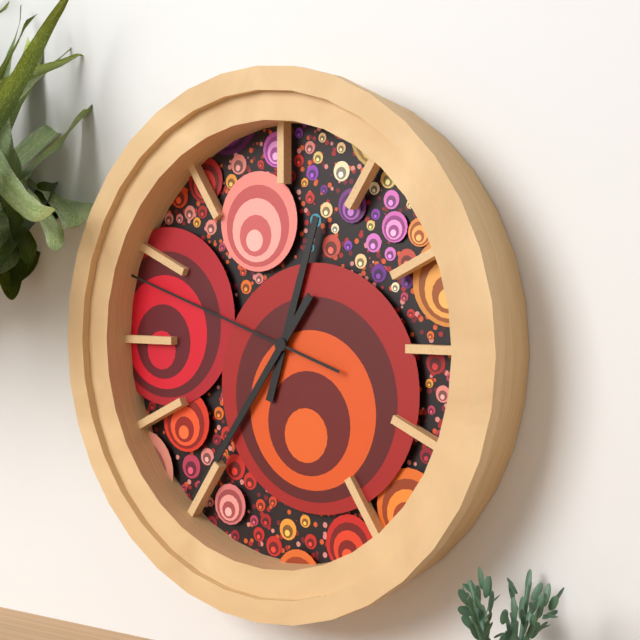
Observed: 12.36.48
